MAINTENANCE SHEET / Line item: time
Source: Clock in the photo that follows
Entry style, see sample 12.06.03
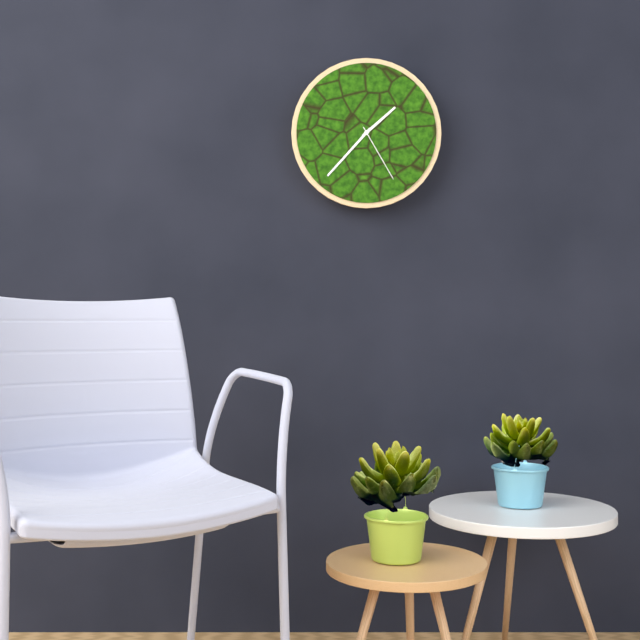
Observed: 1.37.25
